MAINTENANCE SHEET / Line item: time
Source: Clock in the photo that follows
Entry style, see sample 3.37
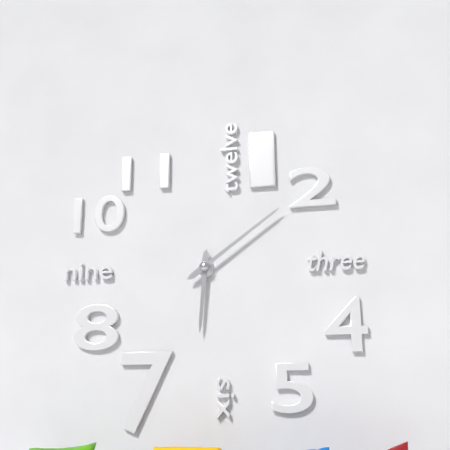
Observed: 6.09
